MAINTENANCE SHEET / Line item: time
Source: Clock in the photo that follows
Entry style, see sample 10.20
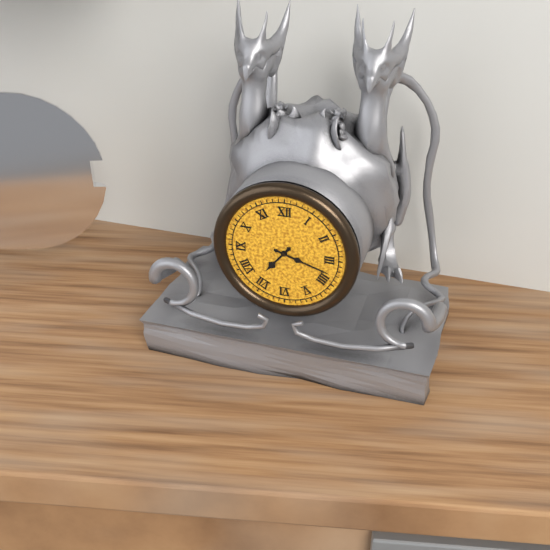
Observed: 7.18
